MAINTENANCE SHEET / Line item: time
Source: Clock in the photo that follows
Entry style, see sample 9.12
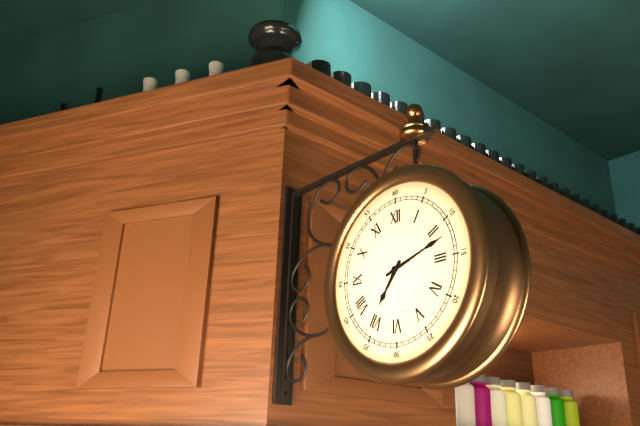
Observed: 7.12
